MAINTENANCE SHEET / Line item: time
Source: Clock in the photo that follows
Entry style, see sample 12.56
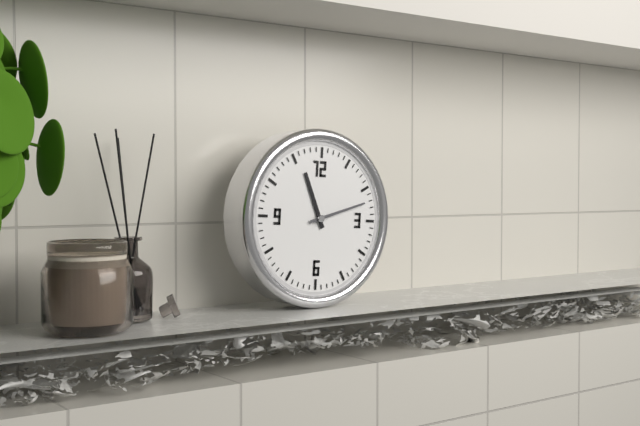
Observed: 11.12
